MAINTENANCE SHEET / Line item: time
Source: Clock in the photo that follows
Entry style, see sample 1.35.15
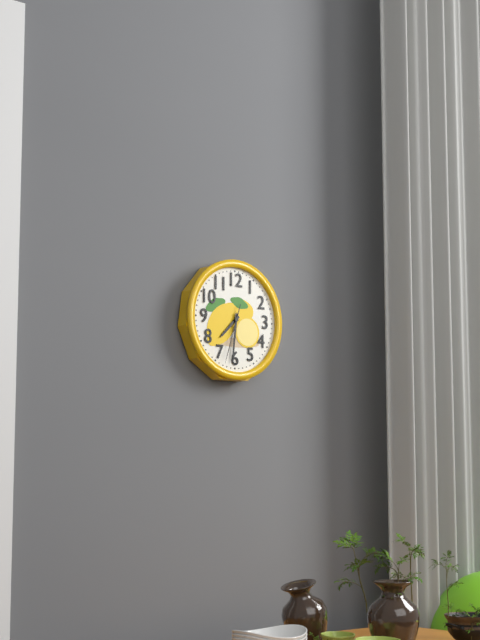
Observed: 7.31.33
